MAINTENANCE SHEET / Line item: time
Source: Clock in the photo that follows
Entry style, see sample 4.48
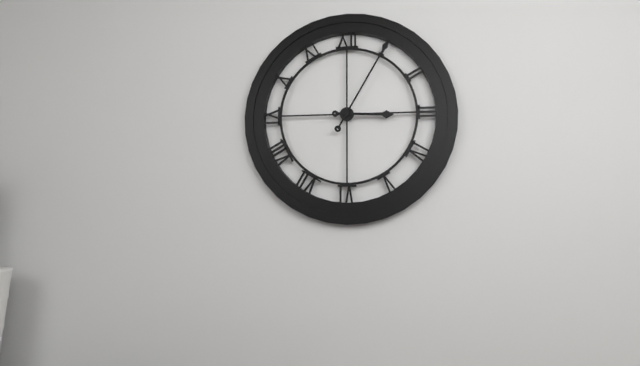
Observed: 3.05
